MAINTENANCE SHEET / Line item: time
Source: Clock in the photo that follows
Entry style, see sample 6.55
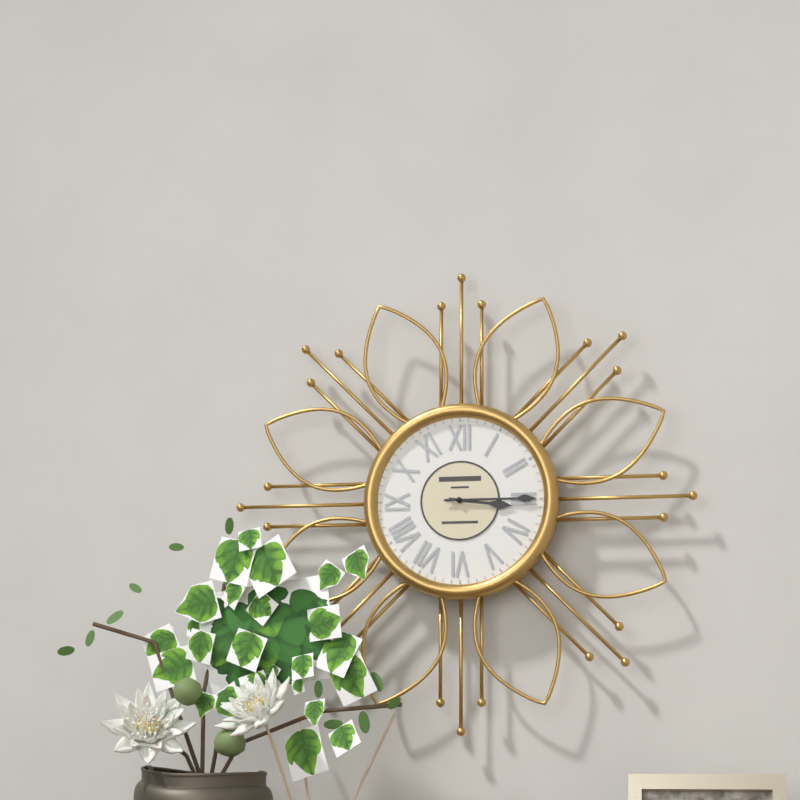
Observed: 3.15
